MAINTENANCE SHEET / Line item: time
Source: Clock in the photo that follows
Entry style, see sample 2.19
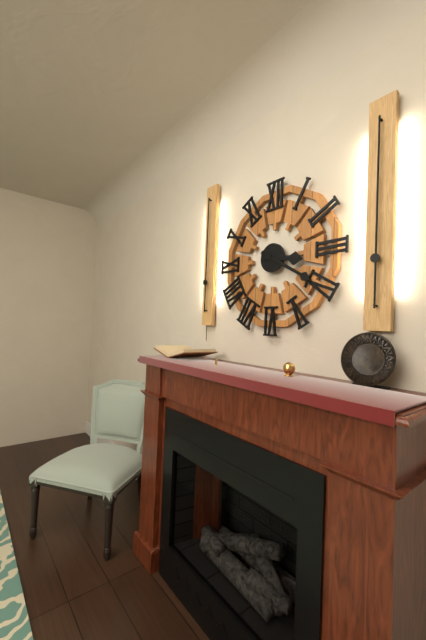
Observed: 3.20
